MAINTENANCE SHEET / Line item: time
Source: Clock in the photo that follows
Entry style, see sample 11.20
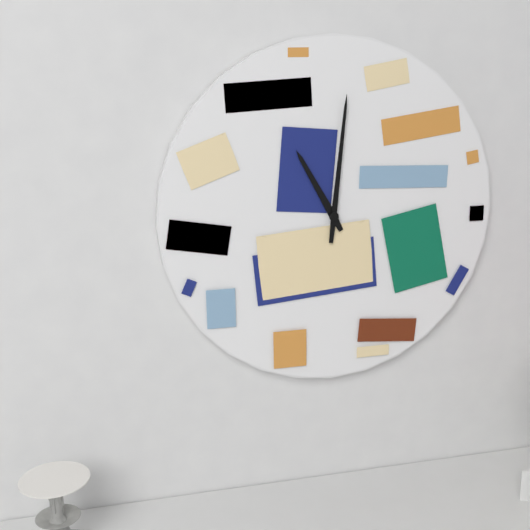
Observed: 11.01
